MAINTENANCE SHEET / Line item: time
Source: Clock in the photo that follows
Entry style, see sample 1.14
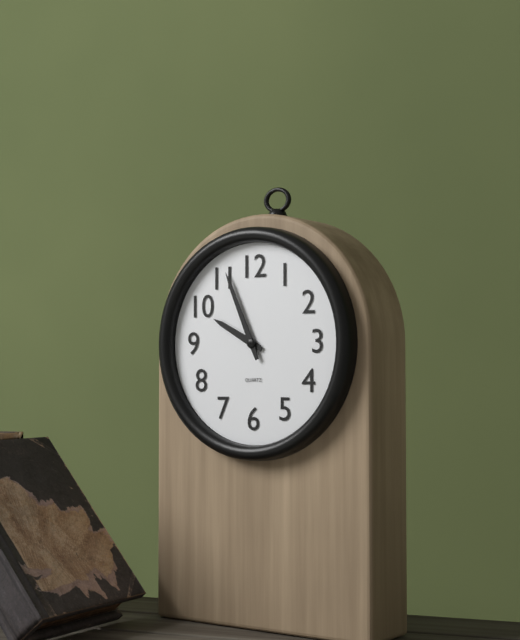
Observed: 9.56
